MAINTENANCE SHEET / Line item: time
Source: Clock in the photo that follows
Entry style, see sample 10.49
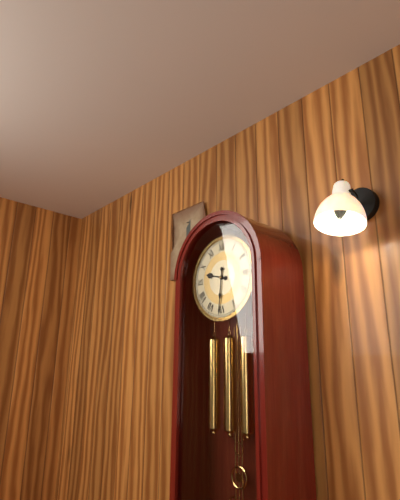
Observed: 9.31
